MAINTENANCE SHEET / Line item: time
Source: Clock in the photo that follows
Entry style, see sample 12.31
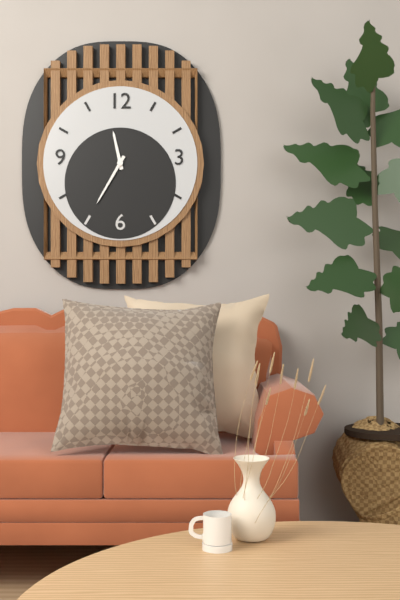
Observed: 11.35
